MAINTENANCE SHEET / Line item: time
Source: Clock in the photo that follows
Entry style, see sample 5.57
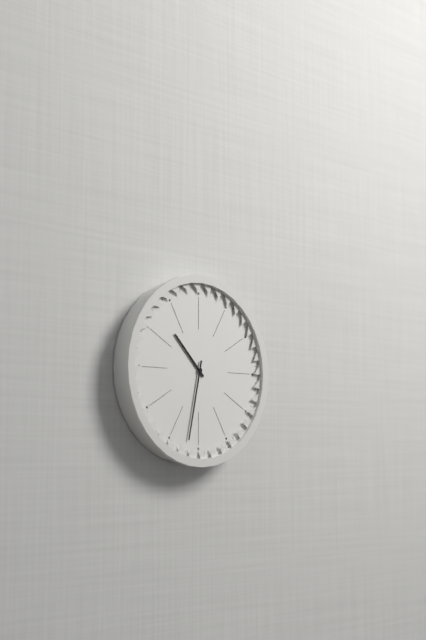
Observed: 10.32
